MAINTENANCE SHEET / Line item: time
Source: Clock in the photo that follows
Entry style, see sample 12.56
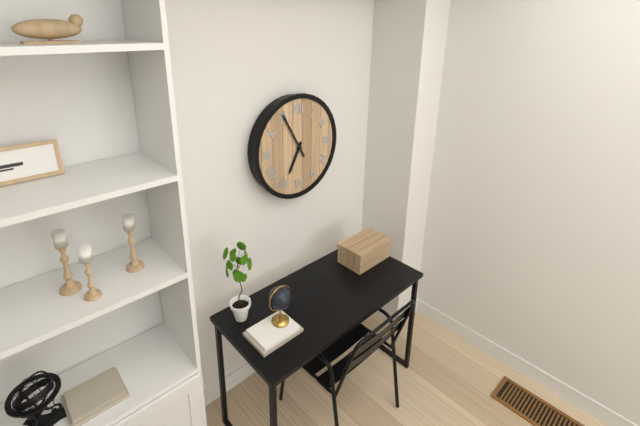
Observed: 6.55
